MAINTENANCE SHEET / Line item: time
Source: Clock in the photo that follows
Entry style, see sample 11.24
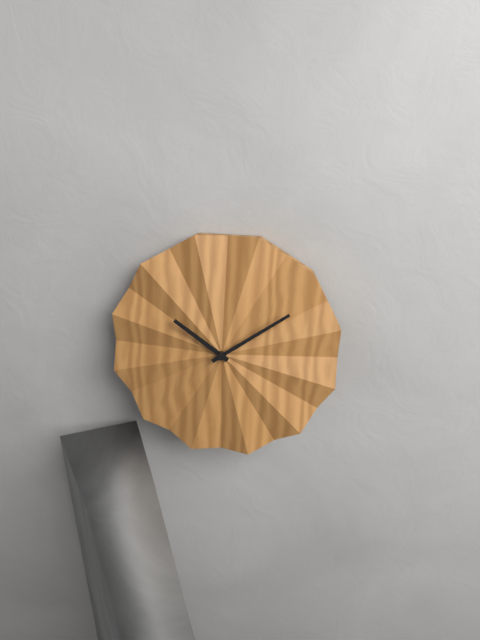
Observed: 10.09
